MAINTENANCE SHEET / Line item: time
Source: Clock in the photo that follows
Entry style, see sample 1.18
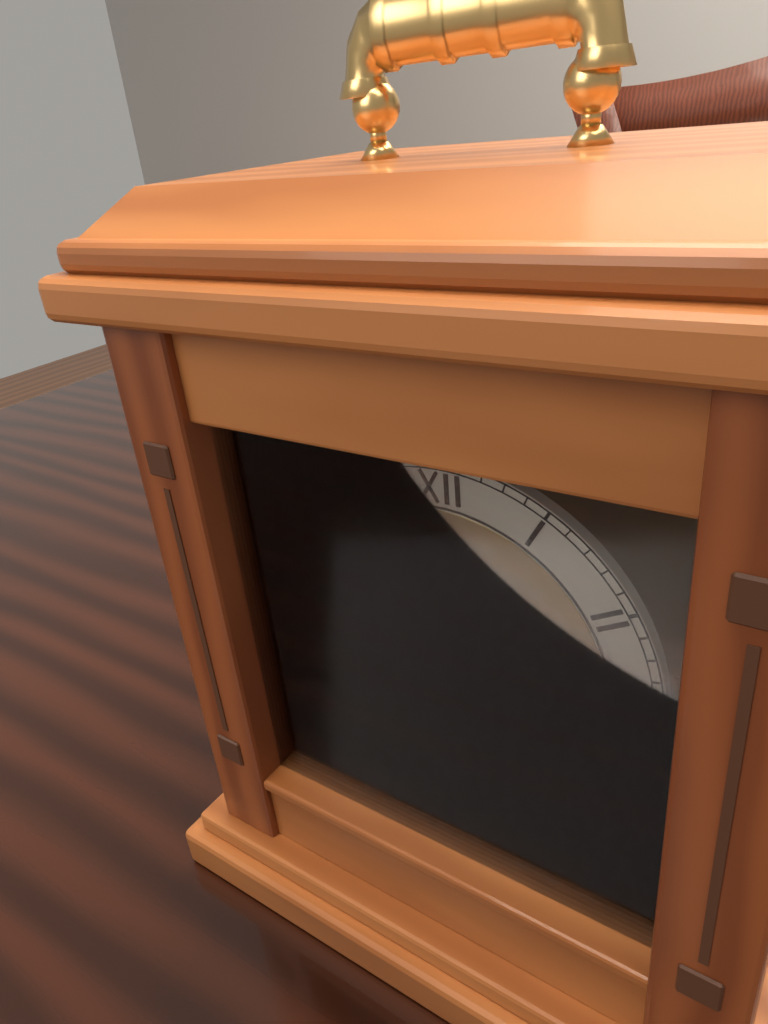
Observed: 6.46
